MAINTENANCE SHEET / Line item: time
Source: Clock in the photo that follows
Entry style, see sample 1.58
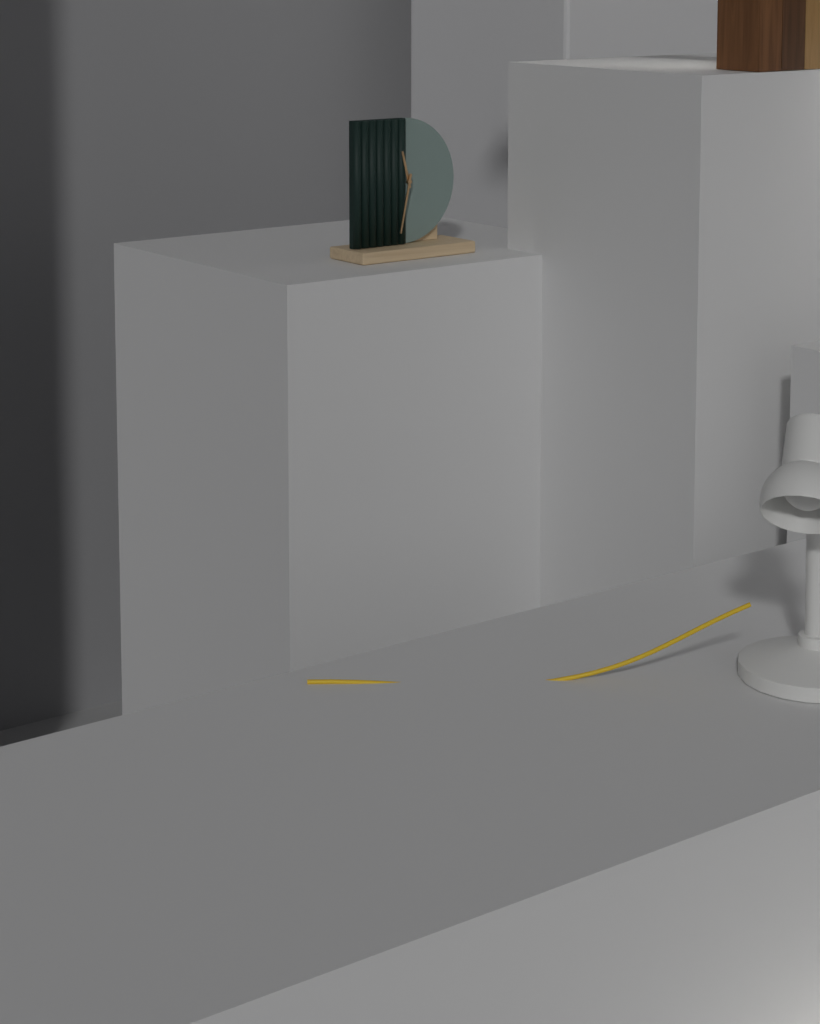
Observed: 11.32
